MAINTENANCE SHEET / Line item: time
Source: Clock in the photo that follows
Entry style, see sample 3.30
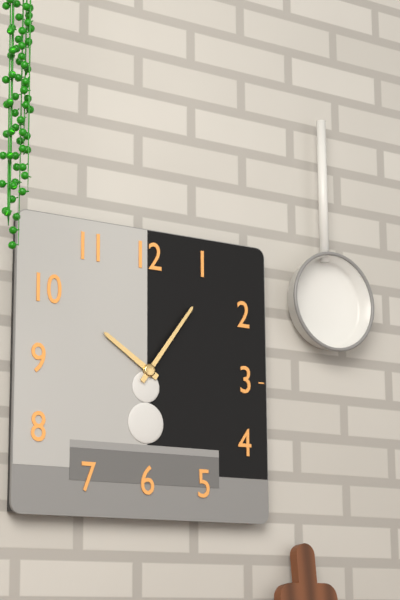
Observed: 10.06
